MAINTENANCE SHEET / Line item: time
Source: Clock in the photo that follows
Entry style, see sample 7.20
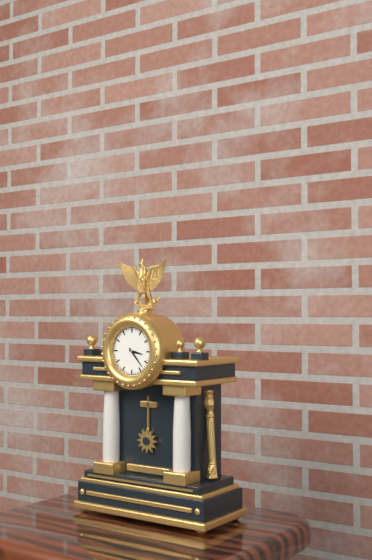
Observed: 3.23
